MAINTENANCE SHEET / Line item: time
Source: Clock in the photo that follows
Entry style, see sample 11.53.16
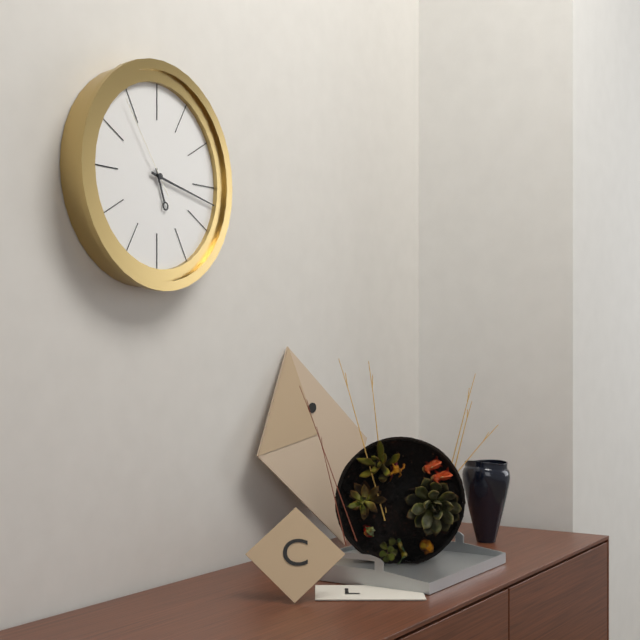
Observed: 5.17.54
